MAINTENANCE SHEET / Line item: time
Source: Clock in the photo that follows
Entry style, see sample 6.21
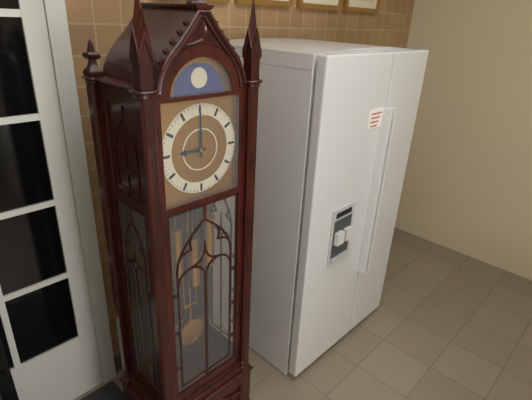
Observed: 9.00
